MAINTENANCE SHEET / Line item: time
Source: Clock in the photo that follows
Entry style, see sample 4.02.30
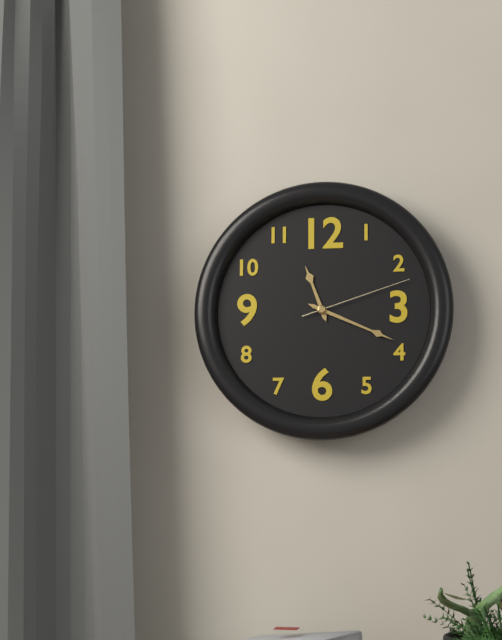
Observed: 11.19.12
